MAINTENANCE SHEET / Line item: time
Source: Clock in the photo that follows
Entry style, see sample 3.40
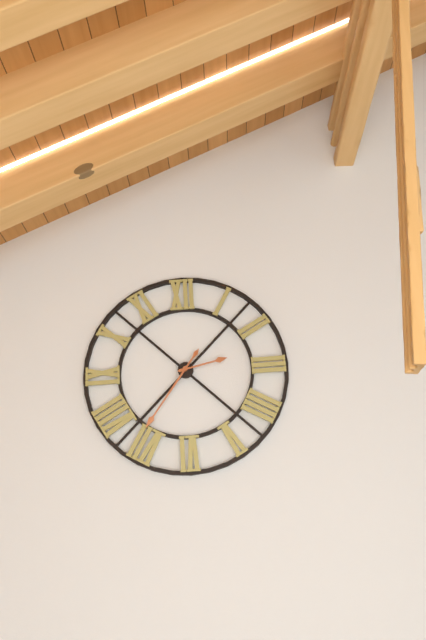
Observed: 2.36
